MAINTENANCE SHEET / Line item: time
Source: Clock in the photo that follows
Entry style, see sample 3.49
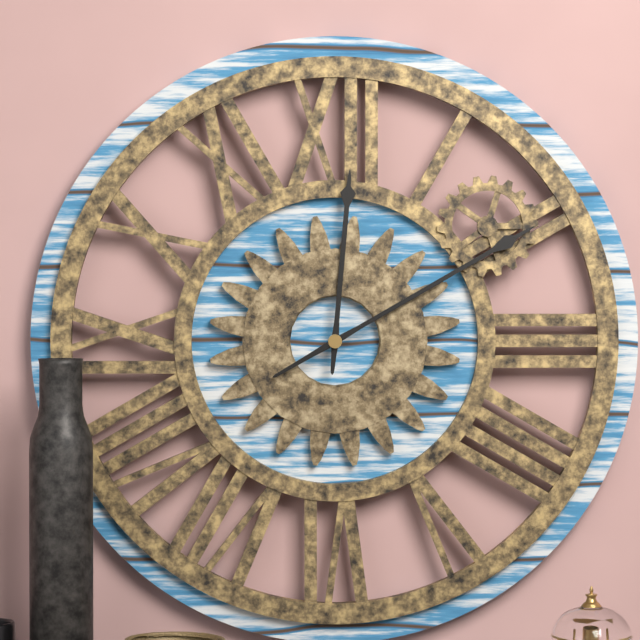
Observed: 12.10
